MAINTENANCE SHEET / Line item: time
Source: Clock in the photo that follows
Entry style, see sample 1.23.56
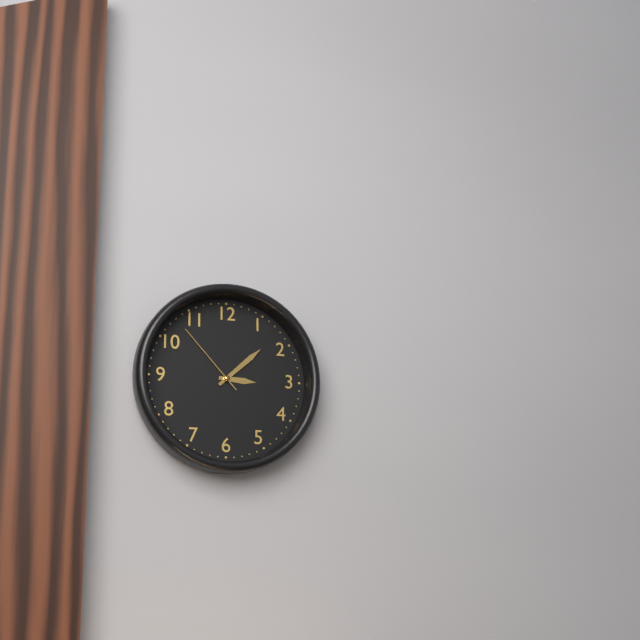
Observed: 3.08.53
